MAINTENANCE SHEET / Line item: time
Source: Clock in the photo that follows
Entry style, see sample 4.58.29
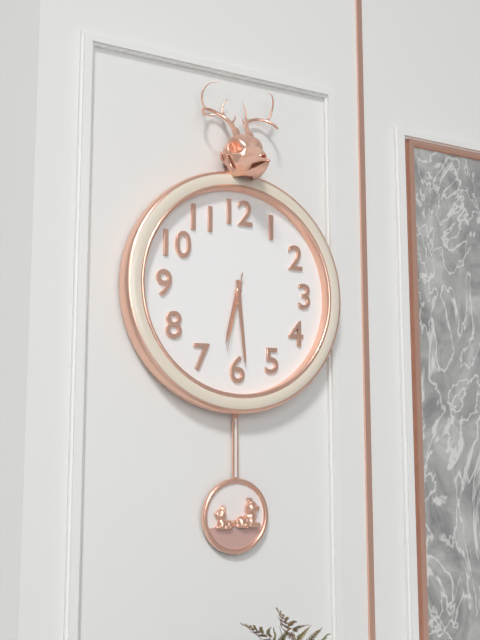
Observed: 6.29.32
